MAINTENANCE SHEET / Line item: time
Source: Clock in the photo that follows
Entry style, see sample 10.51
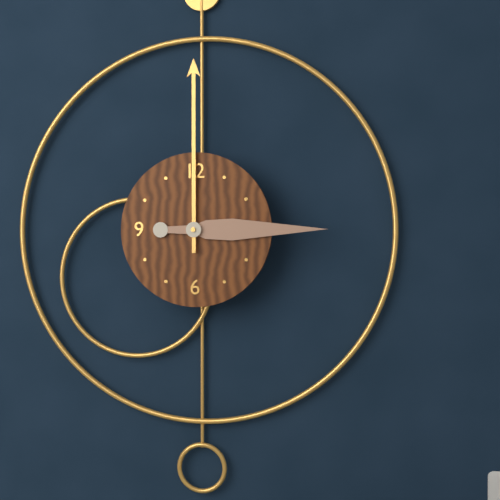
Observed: 3.00
